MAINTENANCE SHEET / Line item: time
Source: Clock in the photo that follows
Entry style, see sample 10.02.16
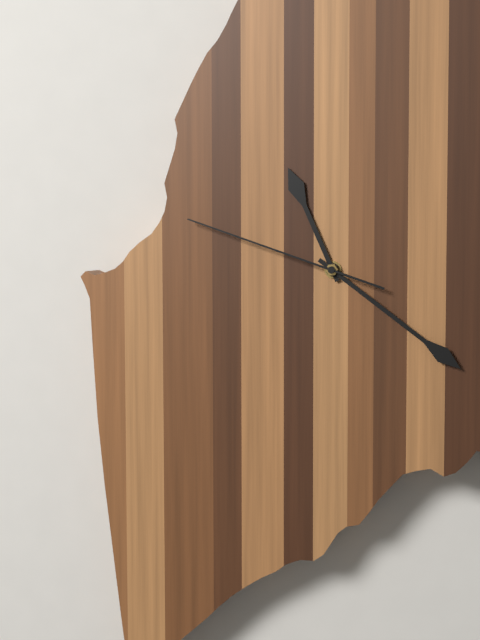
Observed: 11.22.49
